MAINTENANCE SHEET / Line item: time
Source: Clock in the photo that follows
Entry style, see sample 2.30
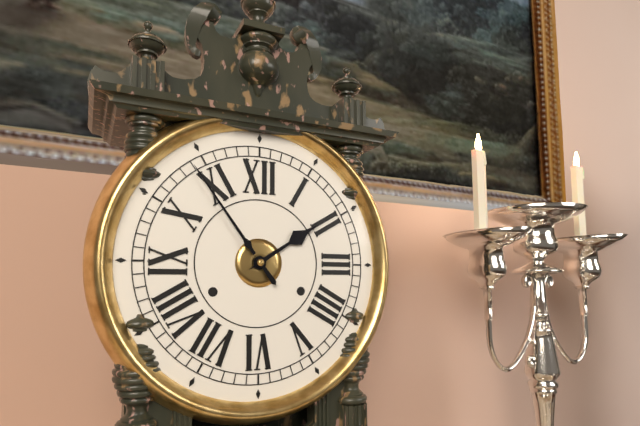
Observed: 1.54
